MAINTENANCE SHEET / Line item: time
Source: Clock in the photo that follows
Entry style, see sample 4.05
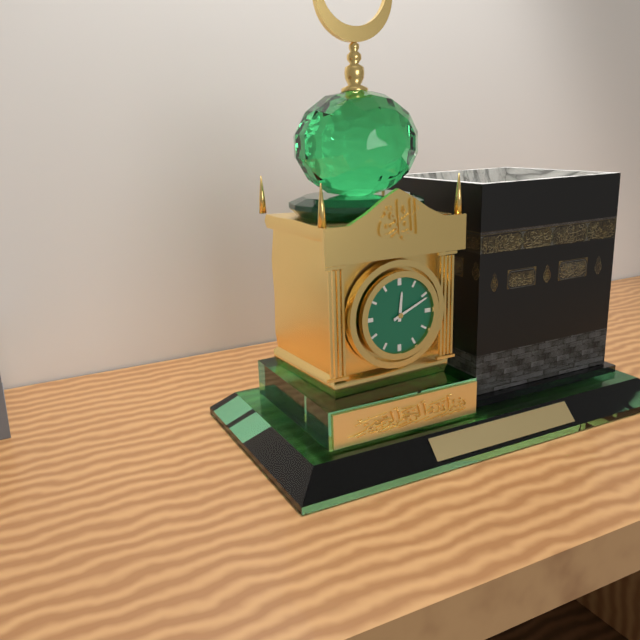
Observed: 12.11
